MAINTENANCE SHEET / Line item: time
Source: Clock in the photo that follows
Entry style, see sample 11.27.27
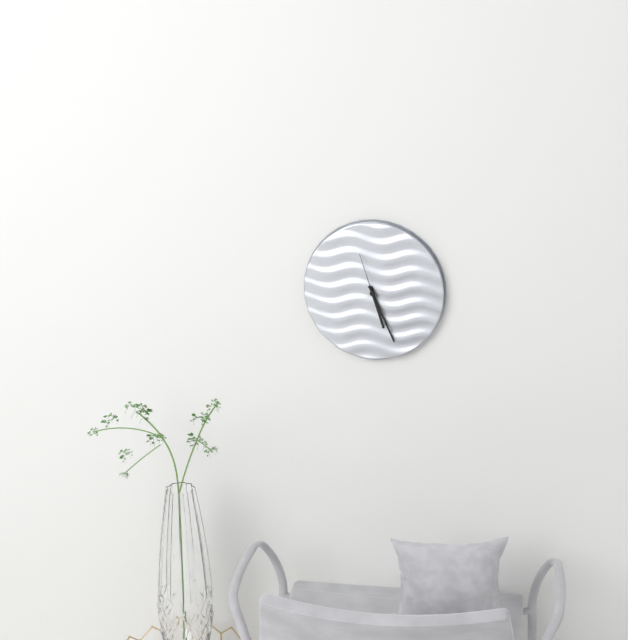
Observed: 5.26.57
